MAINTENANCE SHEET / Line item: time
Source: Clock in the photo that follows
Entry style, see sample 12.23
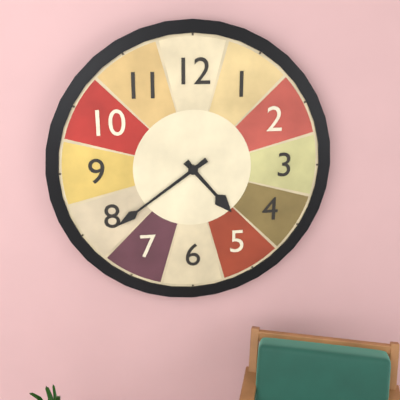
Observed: 4.39
